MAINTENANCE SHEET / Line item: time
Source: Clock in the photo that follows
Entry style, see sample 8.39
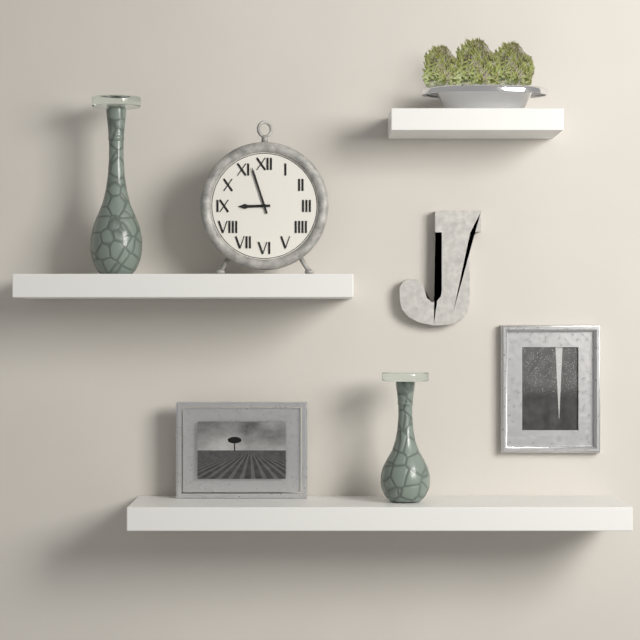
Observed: 8.57
